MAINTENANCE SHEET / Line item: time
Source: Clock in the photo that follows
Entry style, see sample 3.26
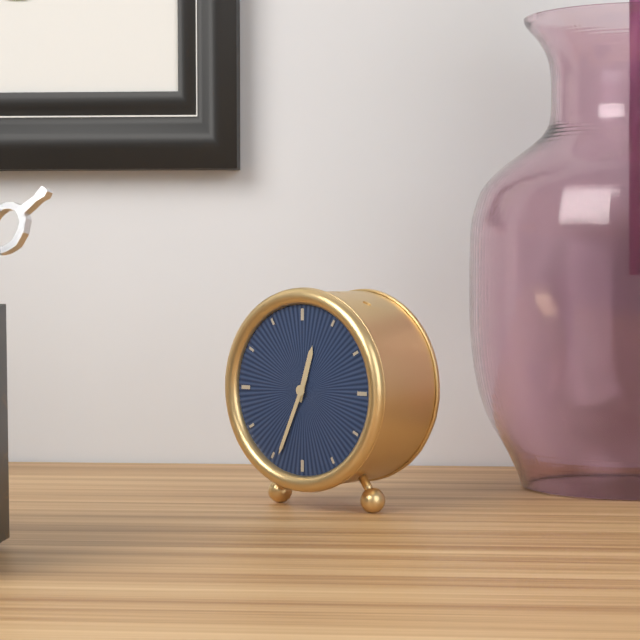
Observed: 12.34
